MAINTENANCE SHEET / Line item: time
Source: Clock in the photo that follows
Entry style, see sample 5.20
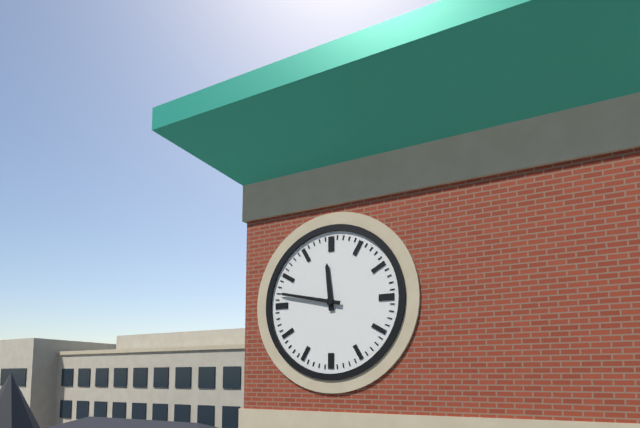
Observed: 11.47
